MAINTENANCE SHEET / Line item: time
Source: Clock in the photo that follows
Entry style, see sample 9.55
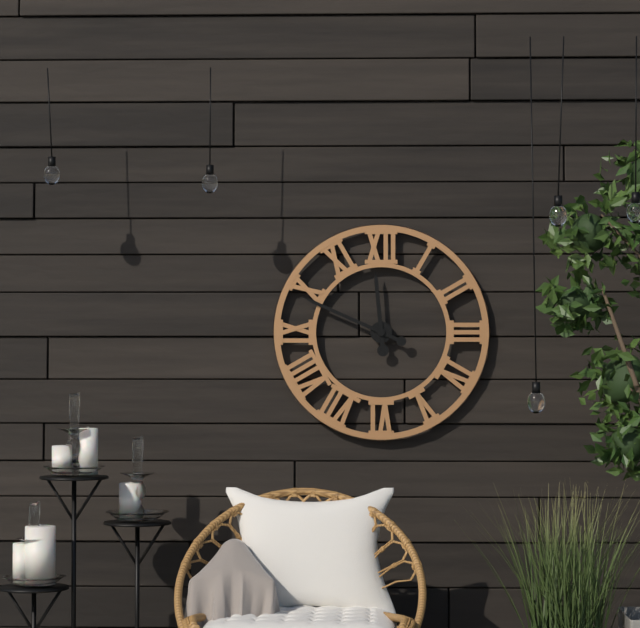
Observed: 11.49
